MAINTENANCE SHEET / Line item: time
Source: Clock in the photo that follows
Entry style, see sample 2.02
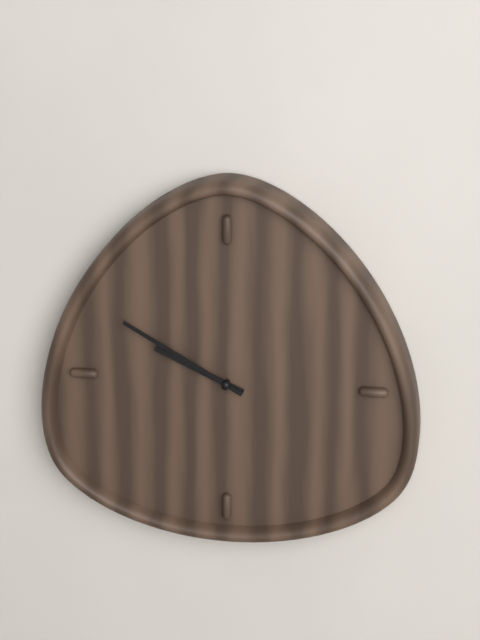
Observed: 9.50
